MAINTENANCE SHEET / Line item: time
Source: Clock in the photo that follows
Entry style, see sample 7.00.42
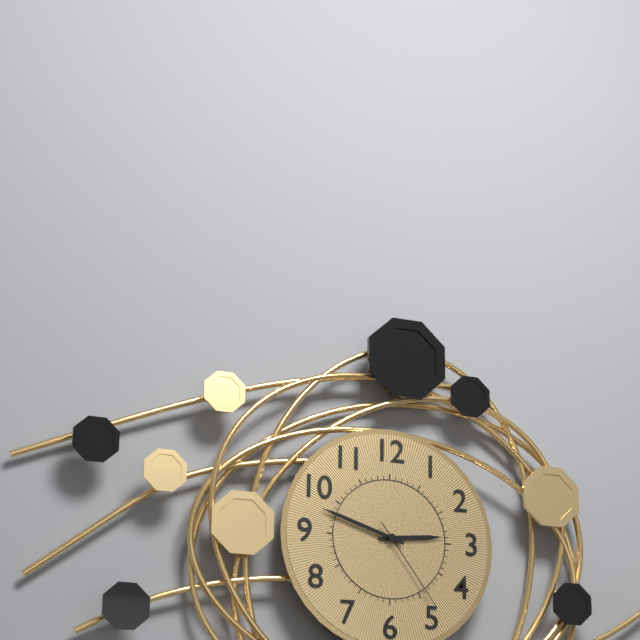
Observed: 2.48.24
